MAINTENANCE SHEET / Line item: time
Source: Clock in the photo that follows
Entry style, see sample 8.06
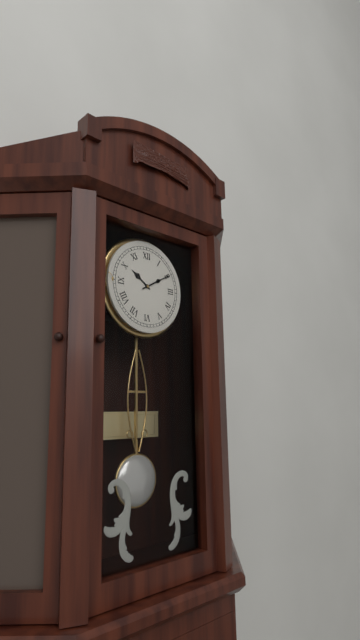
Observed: 10.10
